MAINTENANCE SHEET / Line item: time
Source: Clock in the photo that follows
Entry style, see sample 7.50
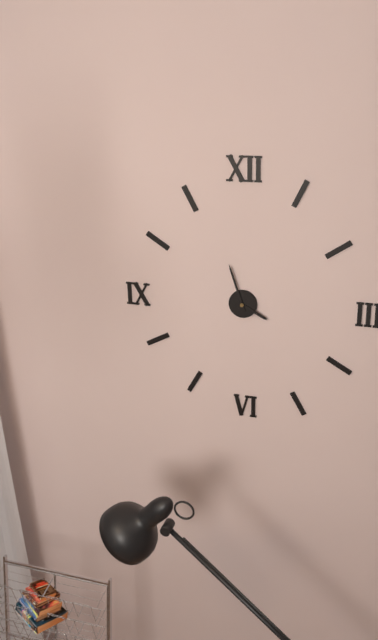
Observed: 3.57
